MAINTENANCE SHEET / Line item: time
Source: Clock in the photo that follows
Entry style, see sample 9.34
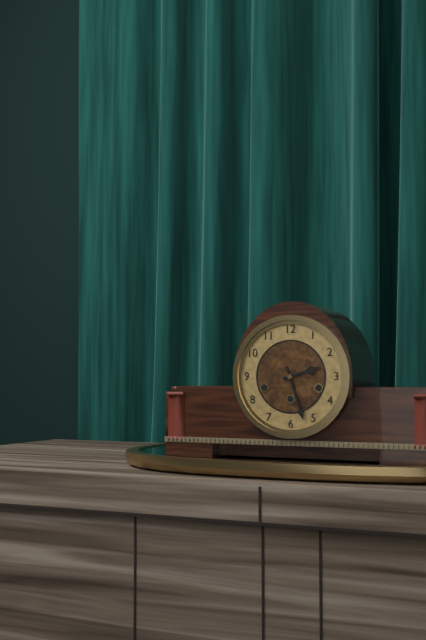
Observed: 2.27
